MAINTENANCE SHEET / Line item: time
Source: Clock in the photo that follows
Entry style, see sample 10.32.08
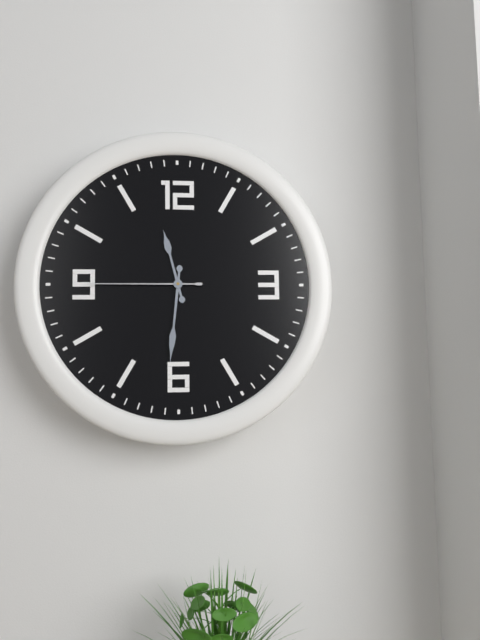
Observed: 11.31.45
